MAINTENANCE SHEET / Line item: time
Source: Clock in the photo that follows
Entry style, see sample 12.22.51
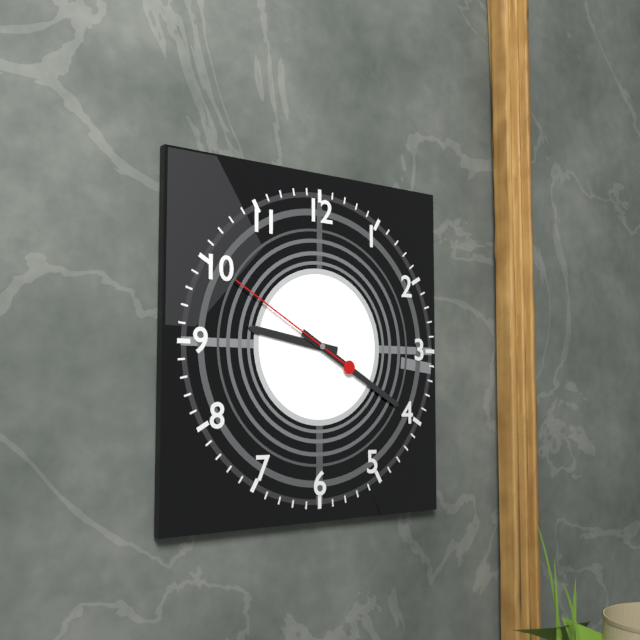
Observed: 9.20.50
